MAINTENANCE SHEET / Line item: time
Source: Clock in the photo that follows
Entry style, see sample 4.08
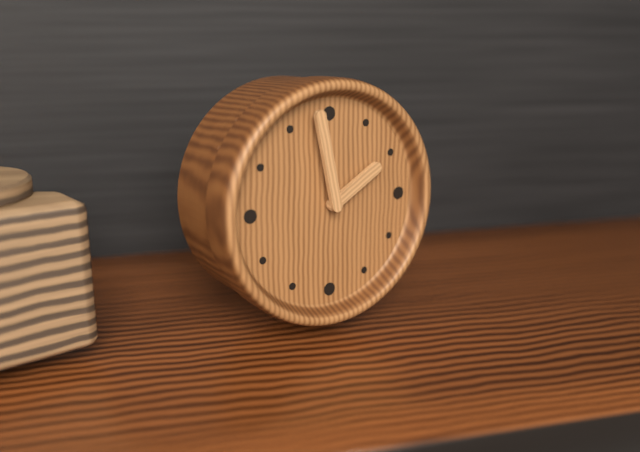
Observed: 1.58
